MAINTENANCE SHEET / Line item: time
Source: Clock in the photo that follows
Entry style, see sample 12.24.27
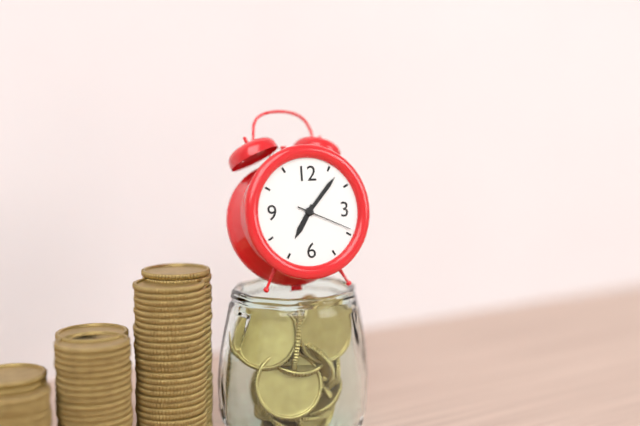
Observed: 7.07.19
